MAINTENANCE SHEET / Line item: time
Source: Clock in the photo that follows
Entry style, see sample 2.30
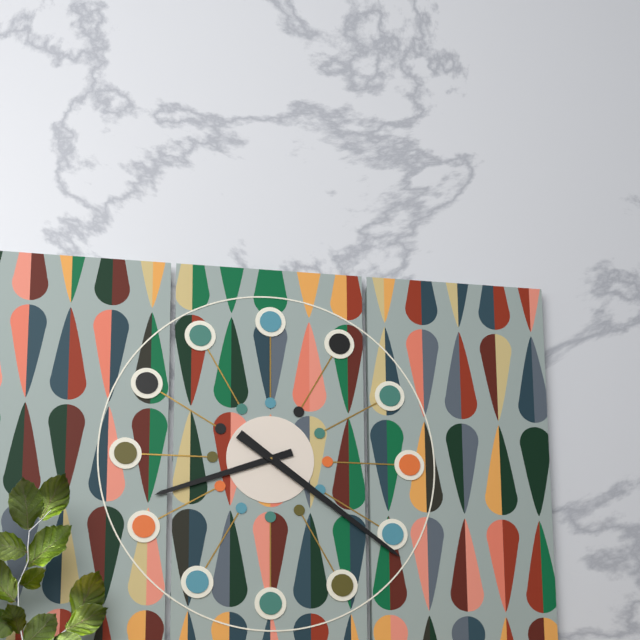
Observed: 8.21
